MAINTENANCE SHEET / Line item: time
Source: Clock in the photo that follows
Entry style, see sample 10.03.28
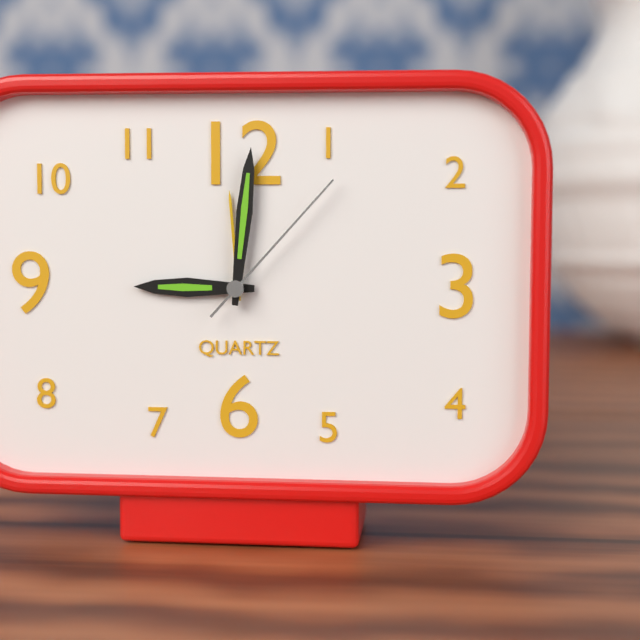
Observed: 9.01.07
